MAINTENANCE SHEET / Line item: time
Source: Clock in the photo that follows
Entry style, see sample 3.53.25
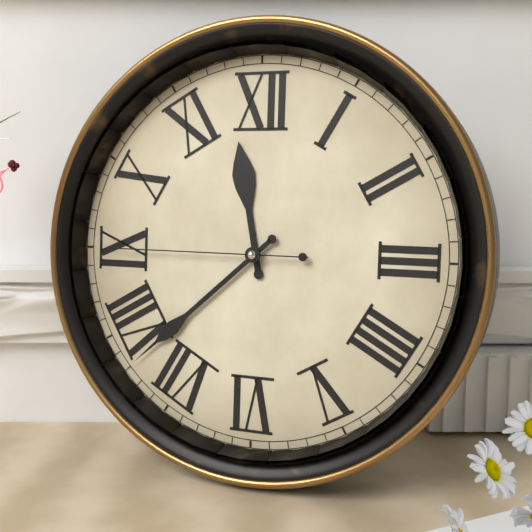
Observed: 11.38.45
